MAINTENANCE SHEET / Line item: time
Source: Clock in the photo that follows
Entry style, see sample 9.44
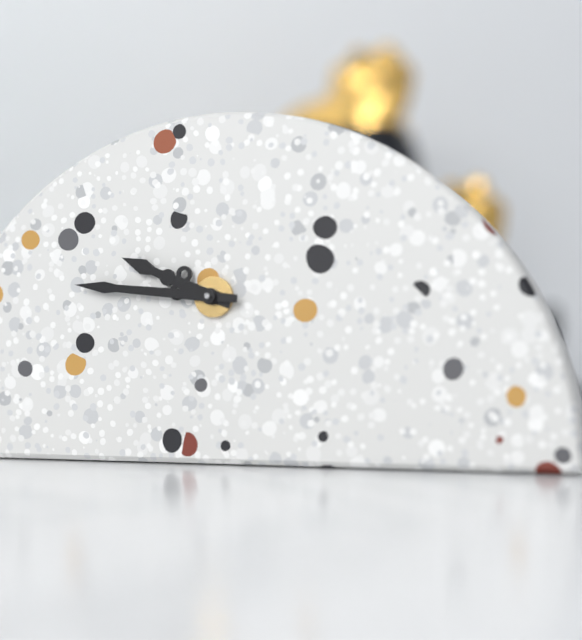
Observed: 9.46
